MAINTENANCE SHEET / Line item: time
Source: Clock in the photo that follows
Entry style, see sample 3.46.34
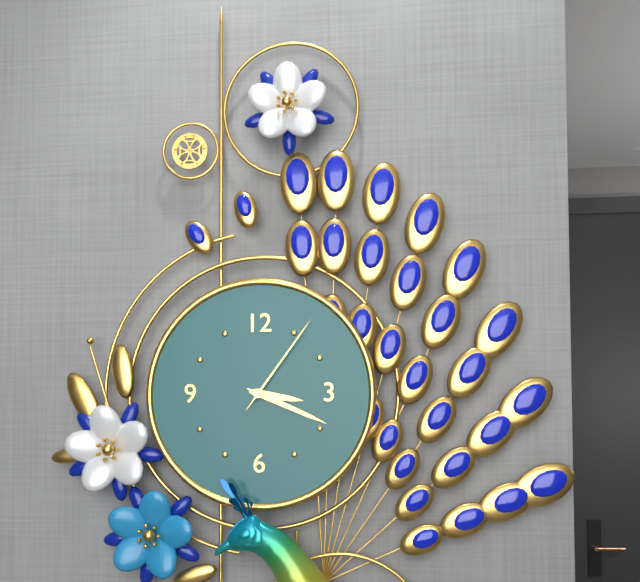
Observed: 3.19.06
